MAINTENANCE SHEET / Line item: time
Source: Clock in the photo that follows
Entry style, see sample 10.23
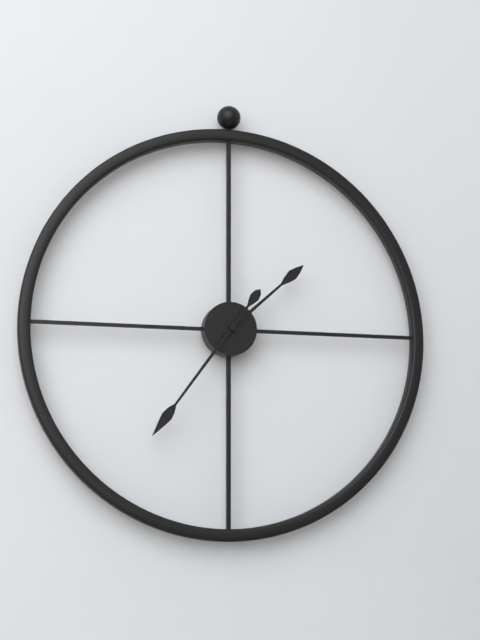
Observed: 1.36
